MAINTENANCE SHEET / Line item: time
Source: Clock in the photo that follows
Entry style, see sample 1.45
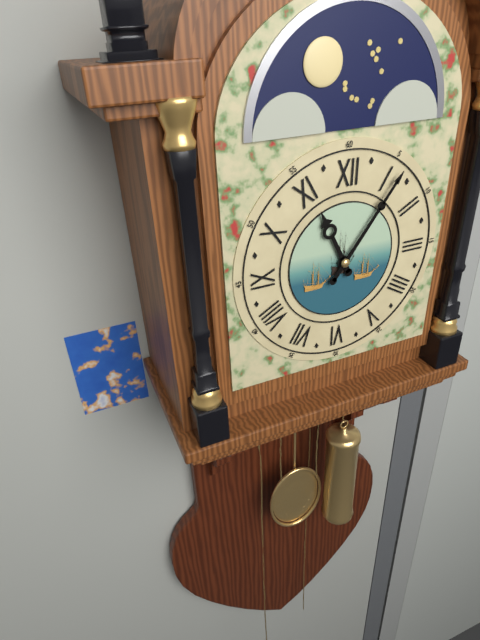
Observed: 11.06
